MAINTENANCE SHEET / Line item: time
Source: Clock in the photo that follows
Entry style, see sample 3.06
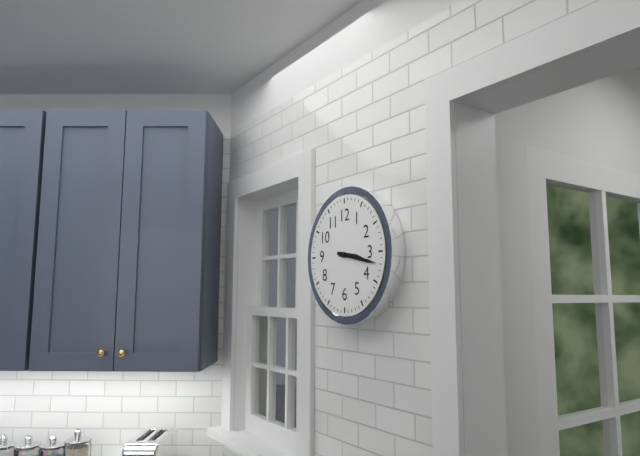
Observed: 3.17
